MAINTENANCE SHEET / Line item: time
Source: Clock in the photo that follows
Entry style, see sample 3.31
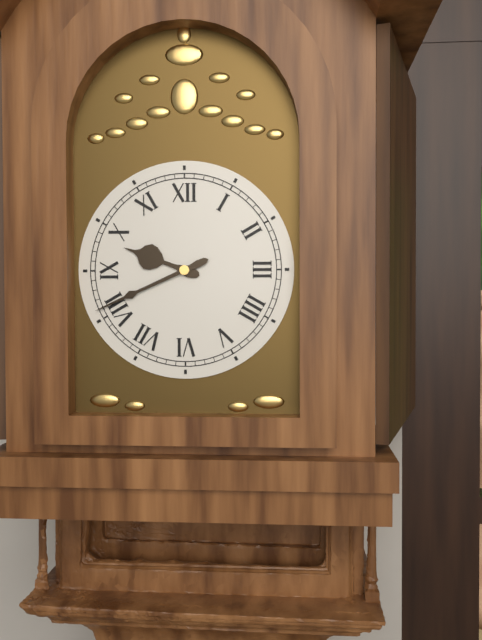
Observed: 9.41
